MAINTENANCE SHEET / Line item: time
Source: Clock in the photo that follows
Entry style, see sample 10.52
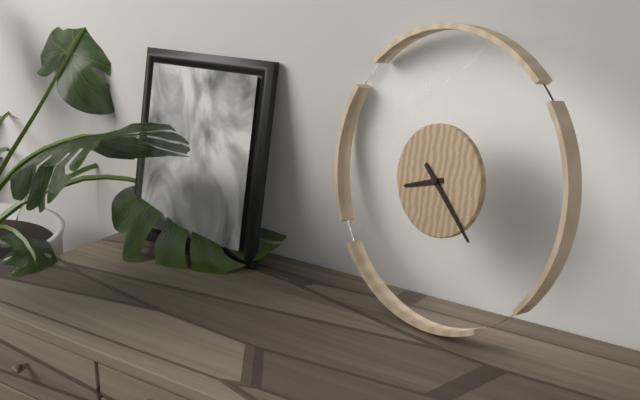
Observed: 8.22
